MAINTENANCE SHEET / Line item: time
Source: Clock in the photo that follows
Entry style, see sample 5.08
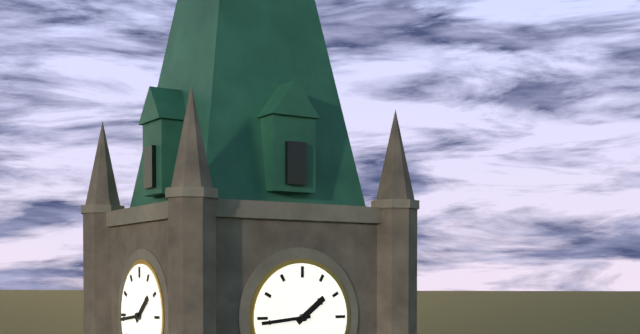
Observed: 1.44
